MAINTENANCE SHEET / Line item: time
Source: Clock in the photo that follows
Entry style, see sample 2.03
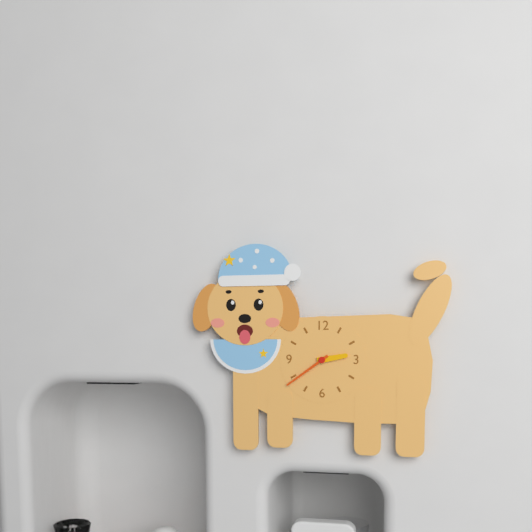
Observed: 2.39
